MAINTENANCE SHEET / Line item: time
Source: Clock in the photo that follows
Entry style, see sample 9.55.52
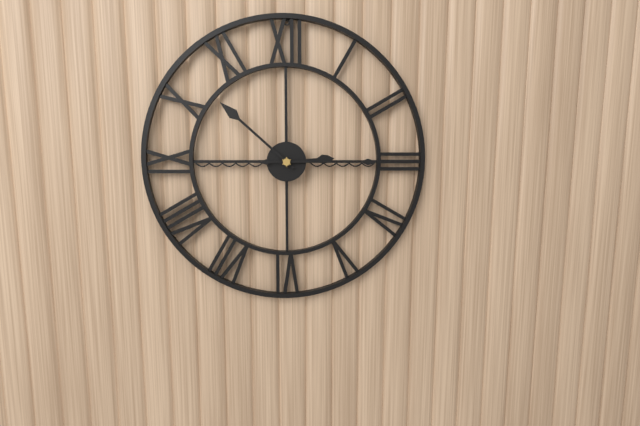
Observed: 2.52.15
